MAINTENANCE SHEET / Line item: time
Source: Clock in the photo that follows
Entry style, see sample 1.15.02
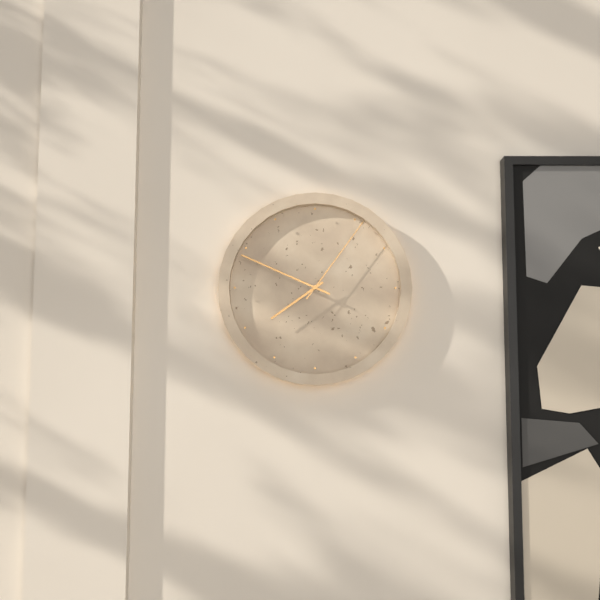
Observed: 7.49.06
